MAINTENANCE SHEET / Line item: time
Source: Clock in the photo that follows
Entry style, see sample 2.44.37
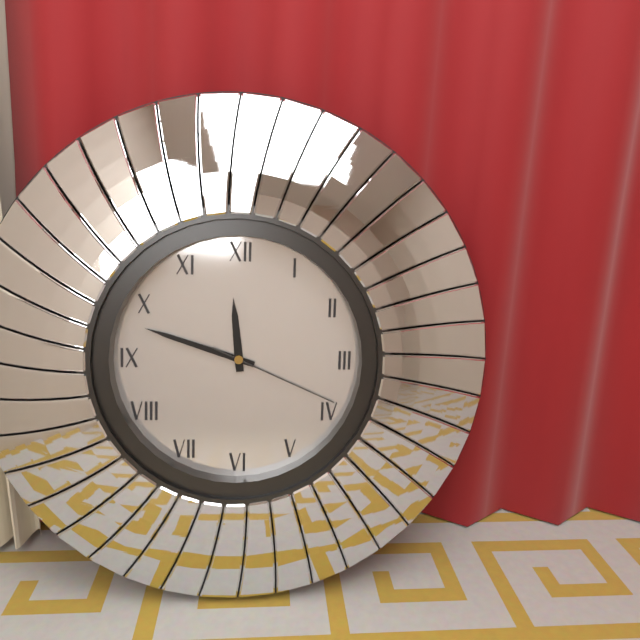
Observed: 11.48.19
